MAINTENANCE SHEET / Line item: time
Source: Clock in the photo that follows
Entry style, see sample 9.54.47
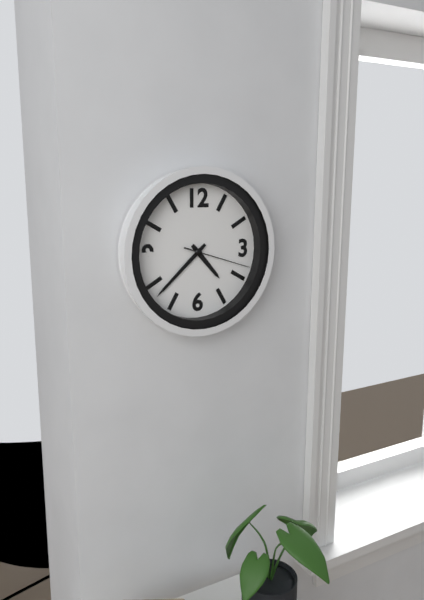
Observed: 4.38.18
